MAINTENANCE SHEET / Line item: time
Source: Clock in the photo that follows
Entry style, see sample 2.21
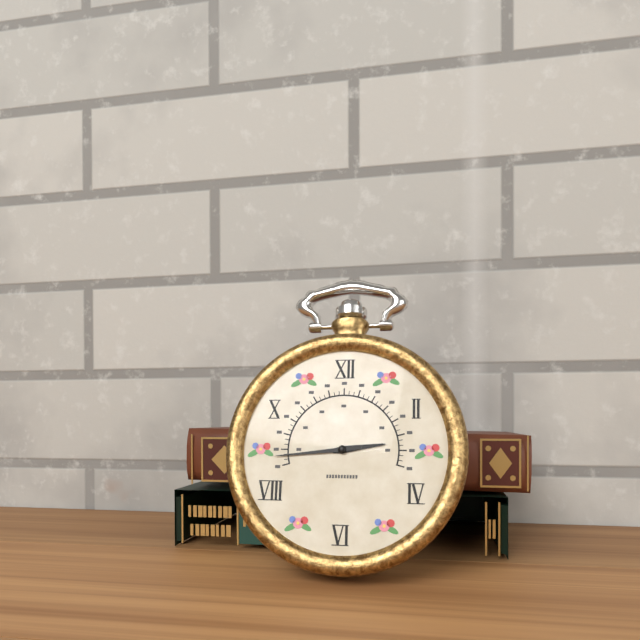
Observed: 2.44
